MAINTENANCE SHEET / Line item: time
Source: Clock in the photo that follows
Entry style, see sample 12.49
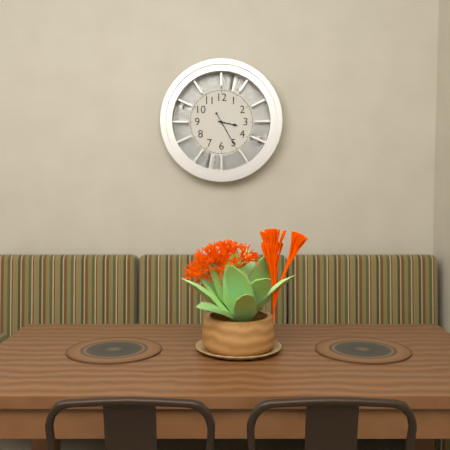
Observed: 3.25
